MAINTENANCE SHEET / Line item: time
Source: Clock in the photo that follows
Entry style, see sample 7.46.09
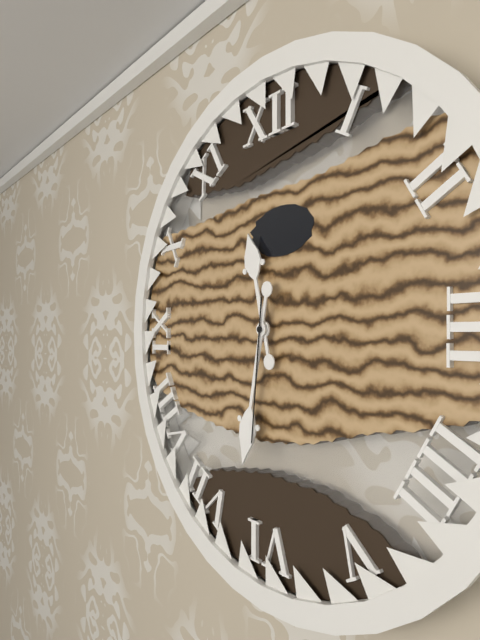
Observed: 11.32.31
